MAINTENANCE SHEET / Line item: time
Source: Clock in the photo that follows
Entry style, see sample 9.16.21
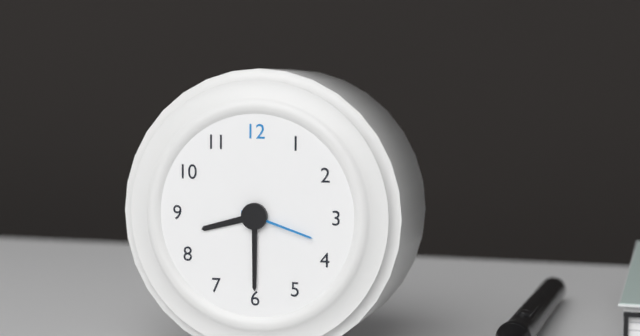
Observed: 8.30.18
